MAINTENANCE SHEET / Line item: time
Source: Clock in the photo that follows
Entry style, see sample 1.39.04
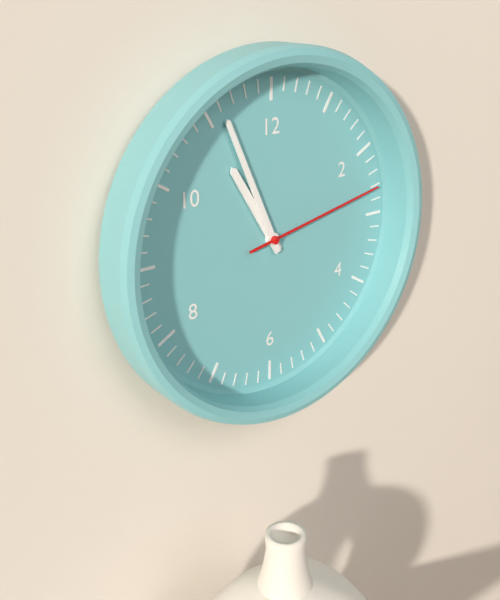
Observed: 10.56.13
